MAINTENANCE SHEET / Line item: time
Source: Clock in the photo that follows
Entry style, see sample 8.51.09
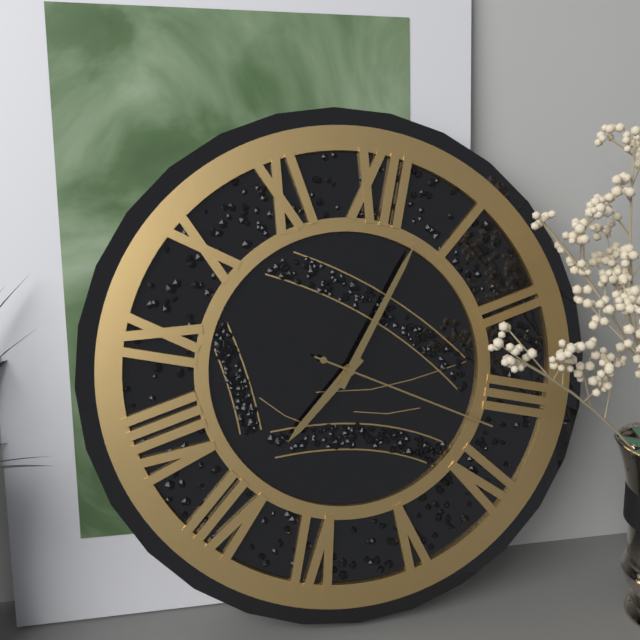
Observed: 7.03.17
